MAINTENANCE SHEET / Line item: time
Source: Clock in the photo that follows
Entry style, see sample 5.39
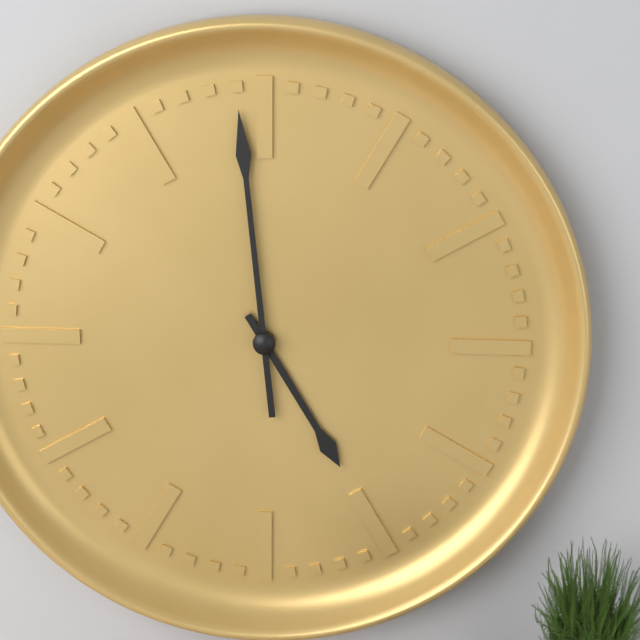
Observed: 4.59
